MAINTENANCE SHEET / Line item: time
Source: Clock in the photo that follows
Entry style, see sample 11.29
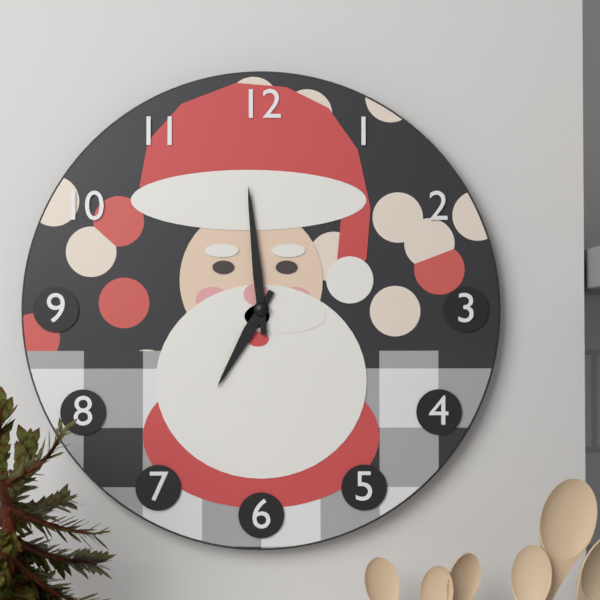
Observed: 6.59
